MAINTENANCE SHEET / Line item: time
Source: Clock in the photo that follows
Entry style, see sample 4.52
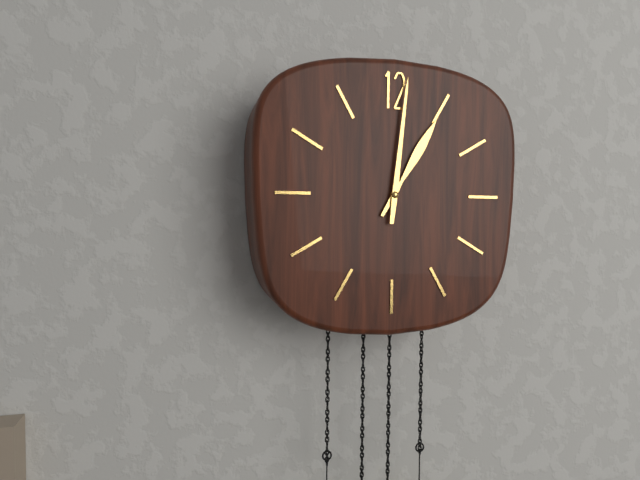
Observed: 1.01
